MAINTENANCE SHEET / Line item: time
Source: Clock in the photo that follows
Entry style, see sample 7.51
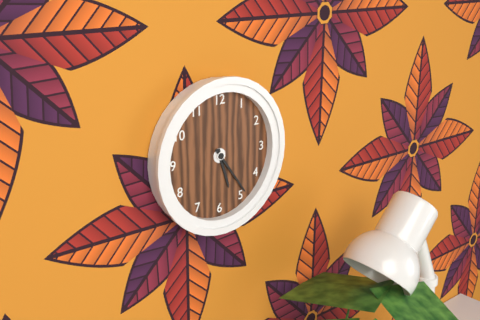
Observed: 5.24
